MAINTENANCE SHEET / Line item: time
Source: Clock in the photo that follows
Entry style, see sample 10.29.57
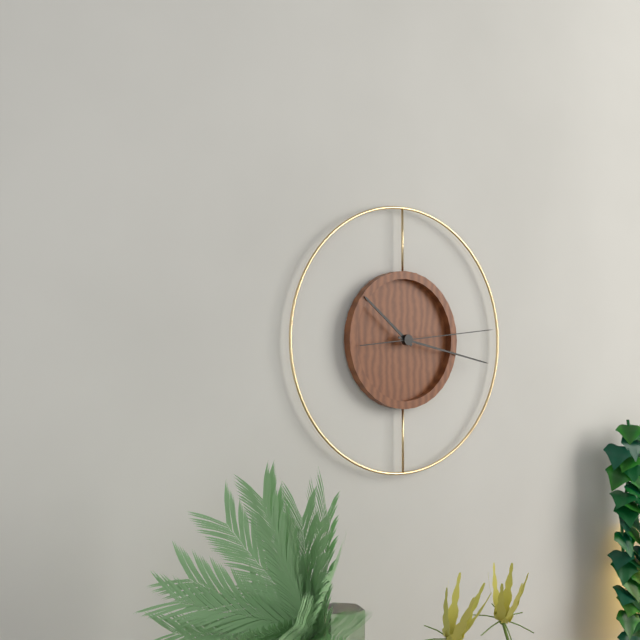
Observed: 10.17.14
